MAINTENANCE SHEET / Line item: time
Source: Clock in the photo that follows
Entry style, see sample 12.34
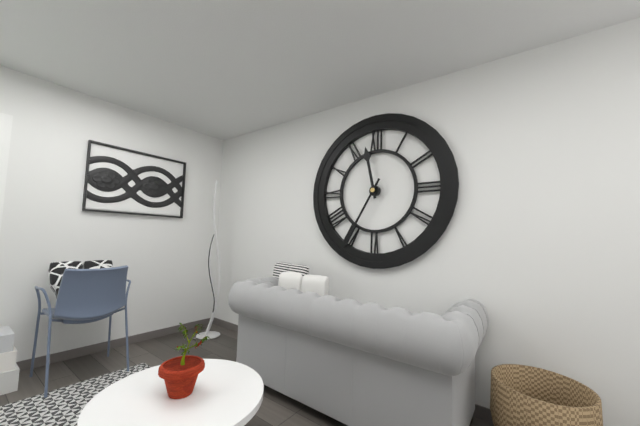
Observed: 11.35
